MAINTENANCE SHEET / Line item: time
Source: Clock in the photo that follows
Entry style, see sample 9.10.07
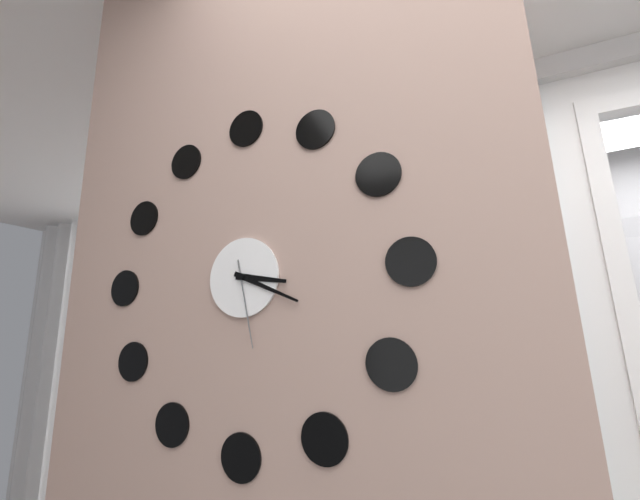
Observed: 3.19.28
